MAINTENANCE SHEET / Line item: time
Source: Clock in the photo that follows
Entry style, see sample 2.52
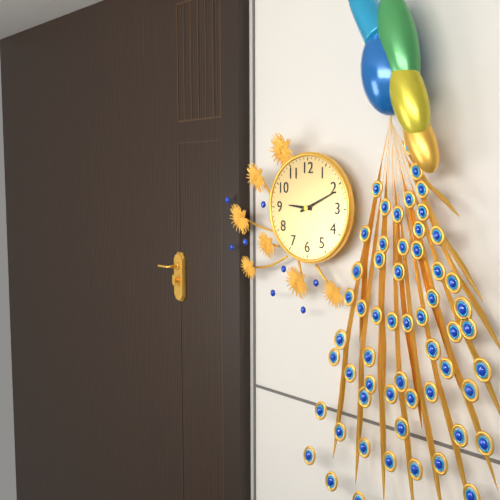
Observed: 9.11
